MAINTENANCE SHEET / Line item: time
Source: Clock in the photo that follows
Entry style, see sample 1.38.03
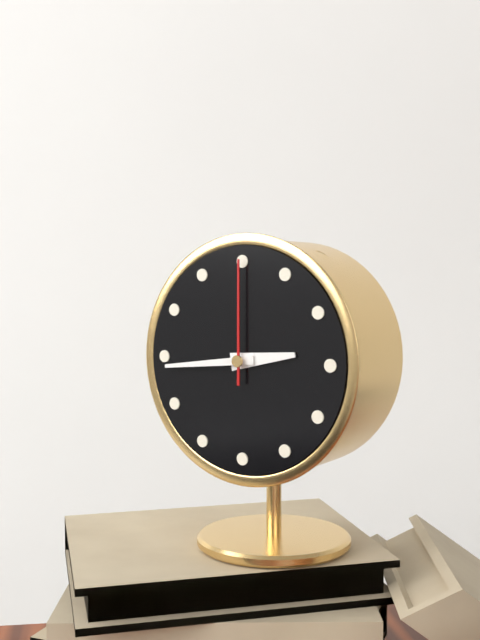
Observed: 2.44.00
